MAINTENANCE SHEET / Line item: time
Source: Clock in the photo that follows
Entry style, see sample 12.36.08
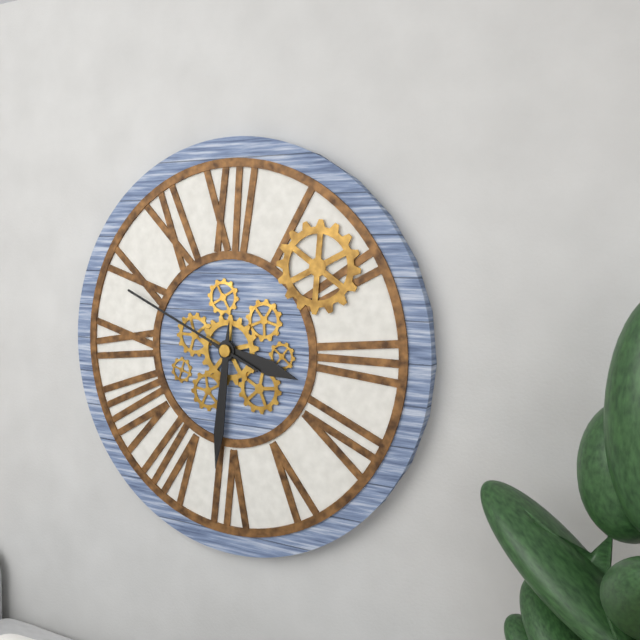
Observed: 3.31.49
